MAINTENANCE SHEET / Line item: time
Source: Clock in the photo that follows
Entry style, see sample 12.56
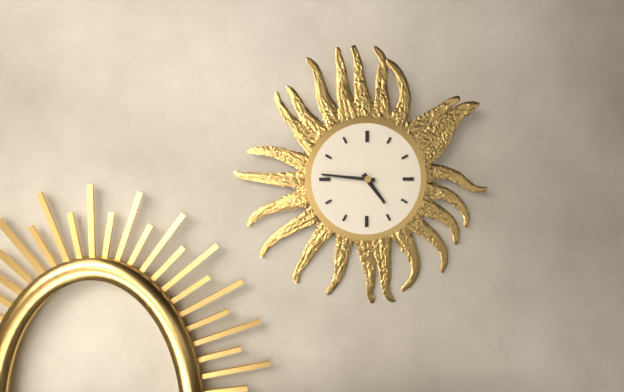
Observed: 4.46
